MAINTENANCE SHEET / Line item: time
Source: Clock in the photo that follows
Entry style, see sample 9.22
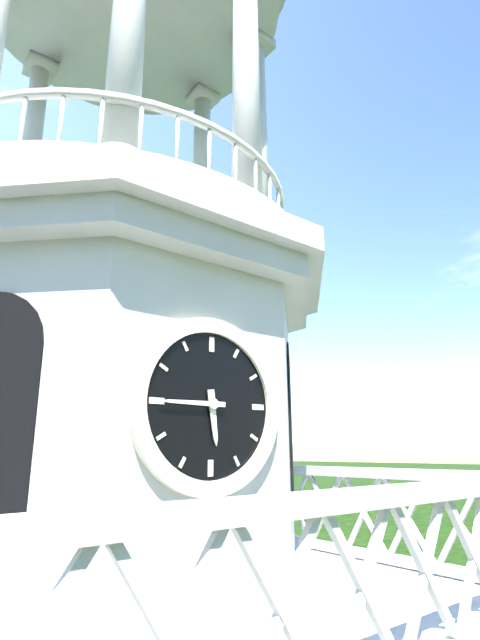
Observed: 5.45
